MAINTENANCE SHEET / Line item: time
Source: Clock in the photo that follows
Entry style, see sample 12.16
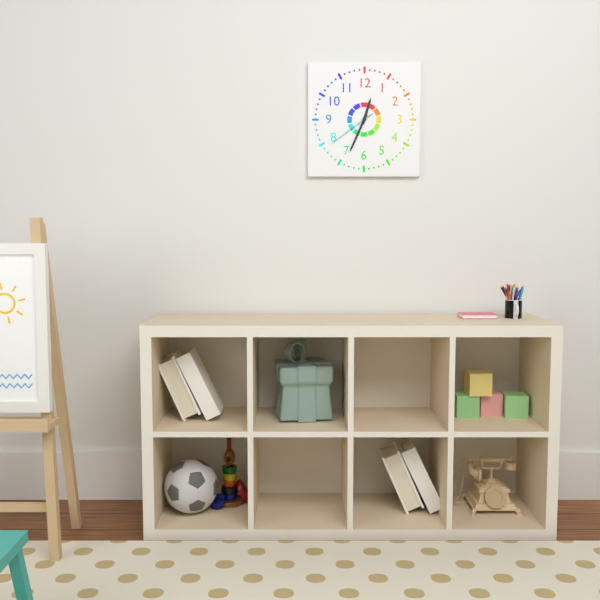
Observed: 12.34
